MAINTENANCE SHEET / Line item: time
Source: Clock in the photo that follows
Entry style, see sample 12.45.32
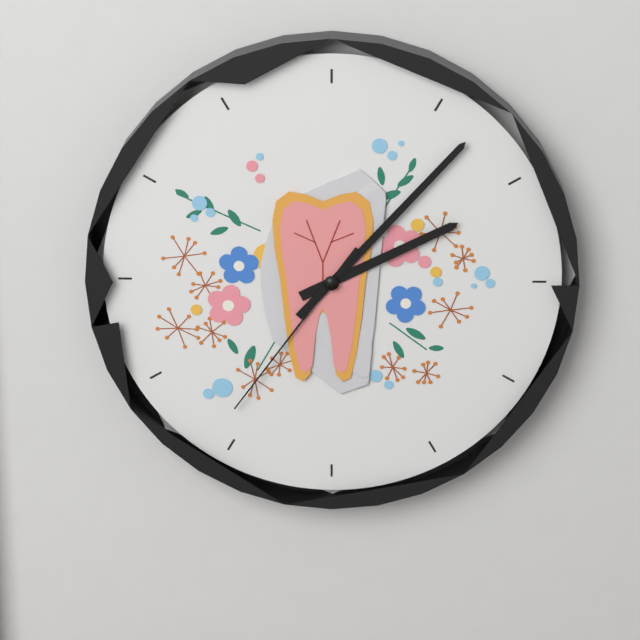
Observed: 2.07.36
